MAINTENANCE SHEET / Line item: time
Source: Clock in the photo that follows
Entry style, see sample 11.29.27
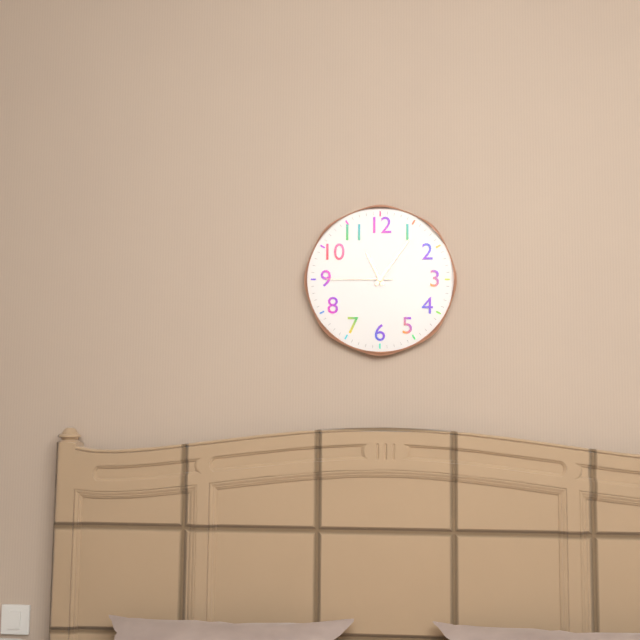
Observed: 11.06.45
